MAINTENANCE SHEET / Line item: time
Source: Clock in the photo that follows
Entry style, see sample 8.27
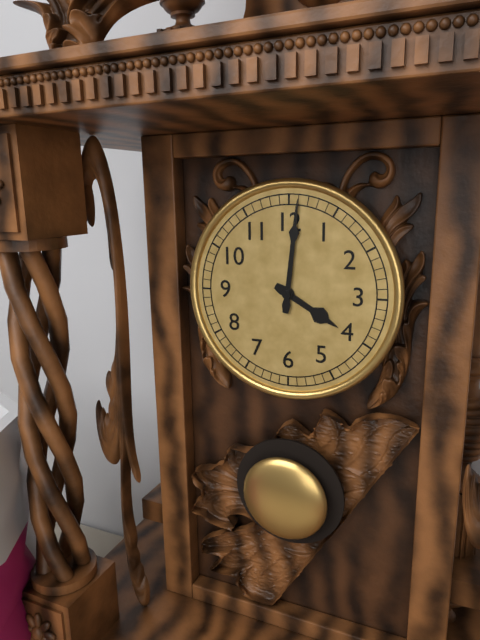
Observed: 4.01
